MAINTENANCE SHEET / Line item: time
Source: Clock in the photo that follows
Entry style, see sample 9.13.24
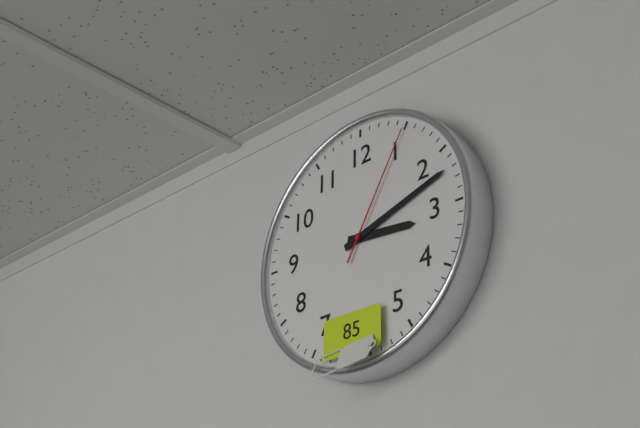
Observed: 3.12.05
